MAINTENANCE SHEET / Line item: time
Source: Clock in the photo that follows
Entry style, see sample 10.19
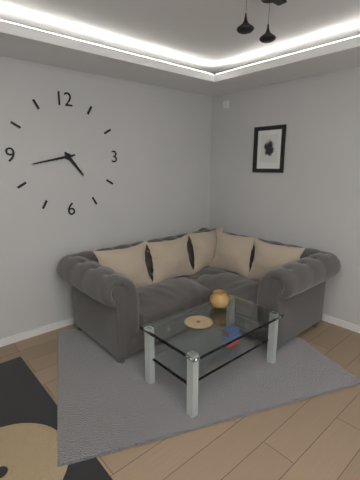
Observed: 4.43
